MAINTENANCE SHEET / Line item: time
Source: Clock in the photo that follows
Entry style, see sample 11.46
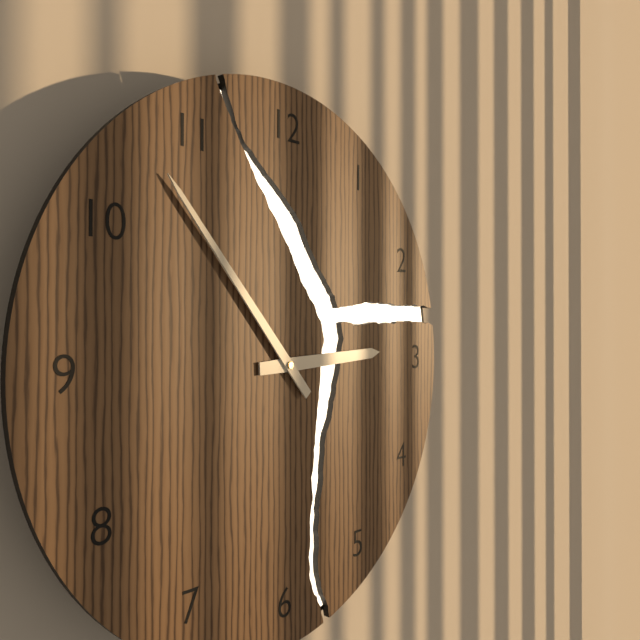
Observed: 2.53
